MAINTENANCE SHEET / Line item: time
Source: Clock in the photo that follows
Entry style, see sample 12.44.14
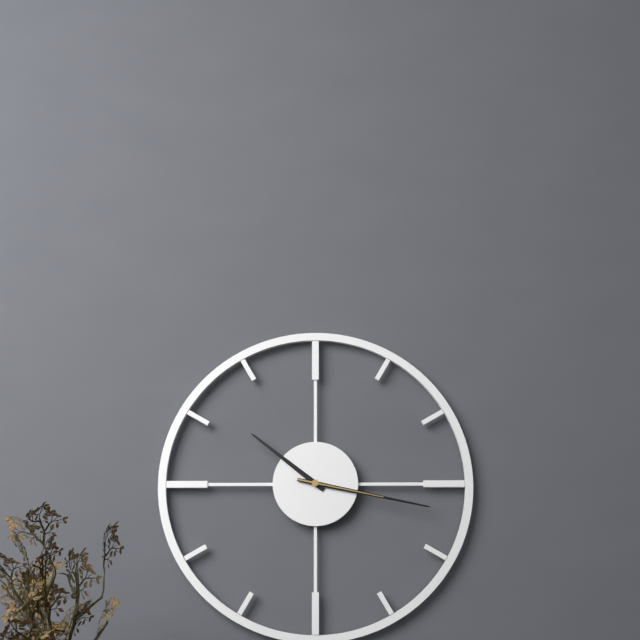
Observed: 10.17.17
